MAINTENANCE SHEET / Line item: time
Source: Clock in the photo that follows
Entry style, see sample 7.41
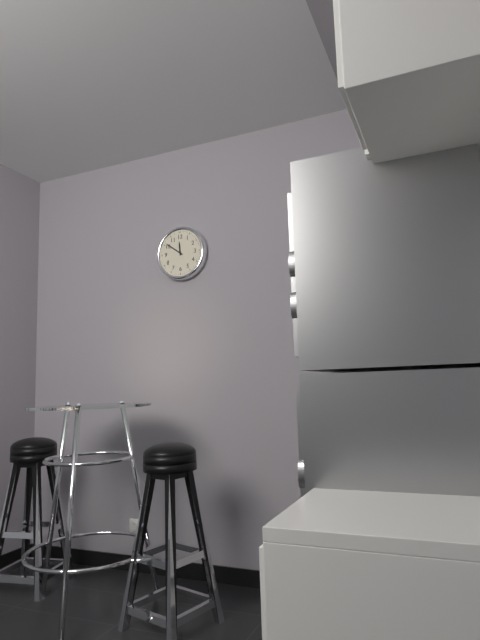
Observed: 11.51
